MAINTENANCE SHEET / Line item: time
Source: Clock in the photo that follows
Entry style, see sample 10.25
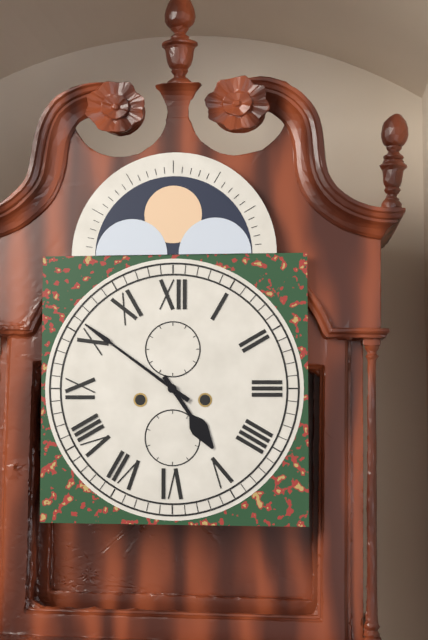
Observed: 4.51
